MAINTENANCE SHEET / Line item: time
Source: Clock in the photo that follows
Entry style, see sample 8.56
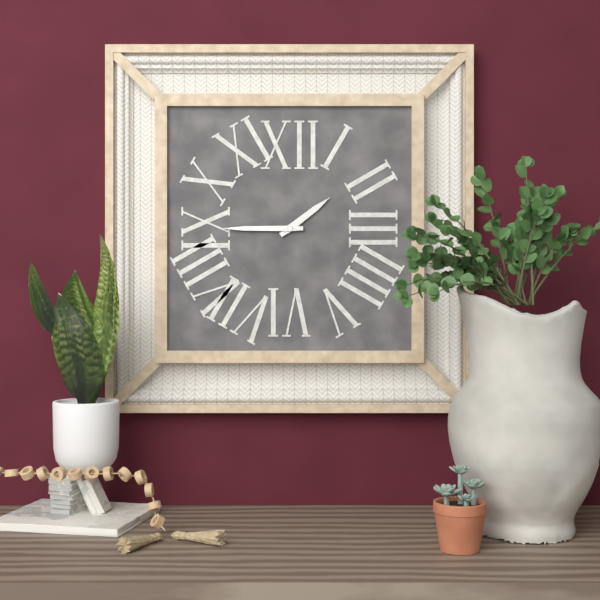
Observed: 1.45
